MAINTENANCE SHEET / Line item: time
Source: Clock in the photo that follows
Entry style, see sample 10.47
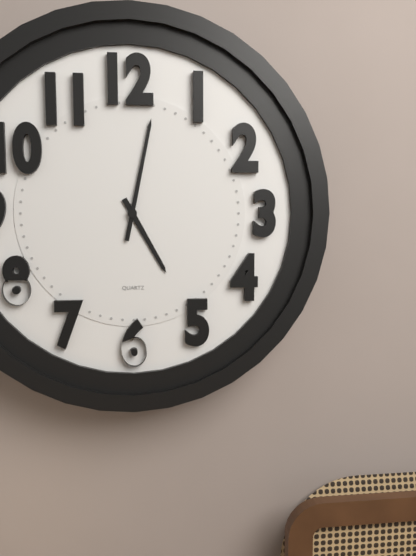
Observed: 5.02
